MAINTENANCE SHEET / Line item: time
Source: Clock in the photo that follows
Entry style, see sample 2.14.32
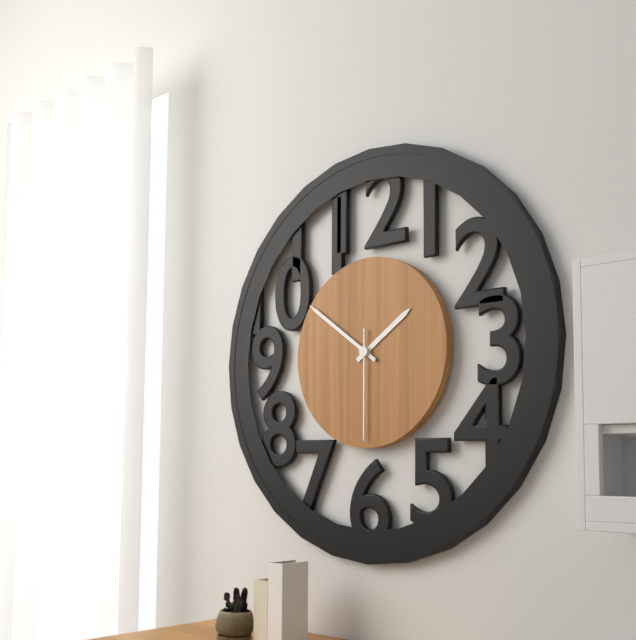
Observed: 1.51.30
